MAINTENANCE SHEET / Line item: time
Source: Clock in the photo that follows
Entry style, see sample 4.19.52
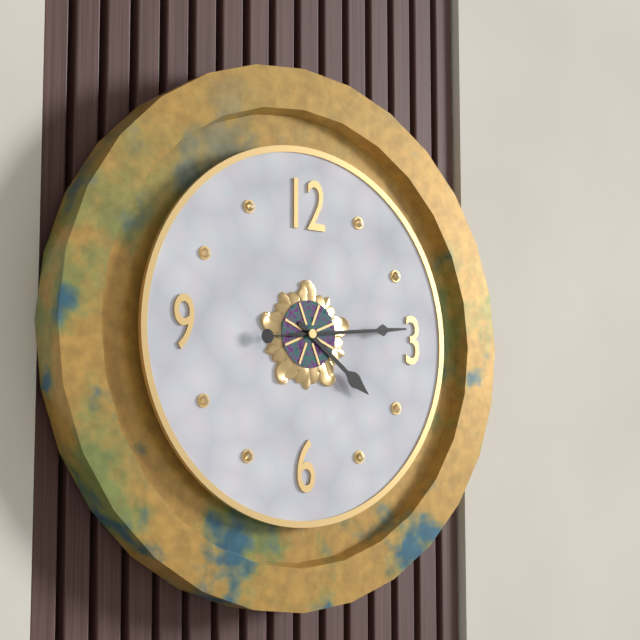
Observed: 4.14.14
